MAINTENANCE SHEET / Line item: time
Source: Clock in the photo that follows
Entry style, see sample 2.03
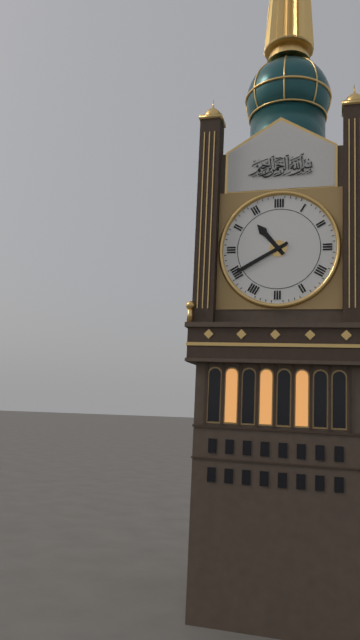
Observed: 10.40
